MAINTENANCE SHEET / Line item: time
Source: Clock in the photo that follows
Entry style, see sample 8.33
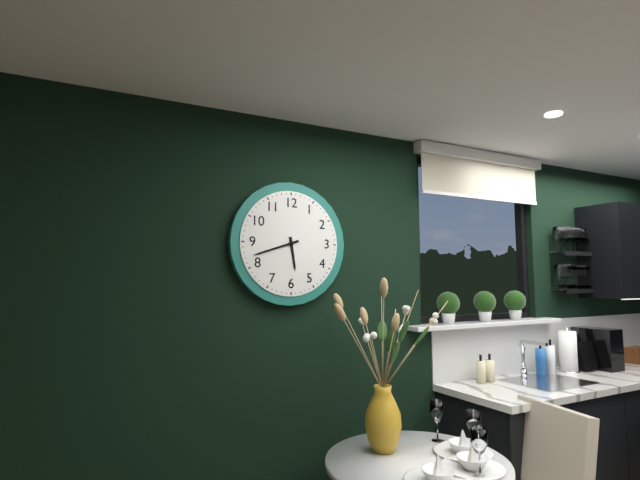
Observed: 5.42
